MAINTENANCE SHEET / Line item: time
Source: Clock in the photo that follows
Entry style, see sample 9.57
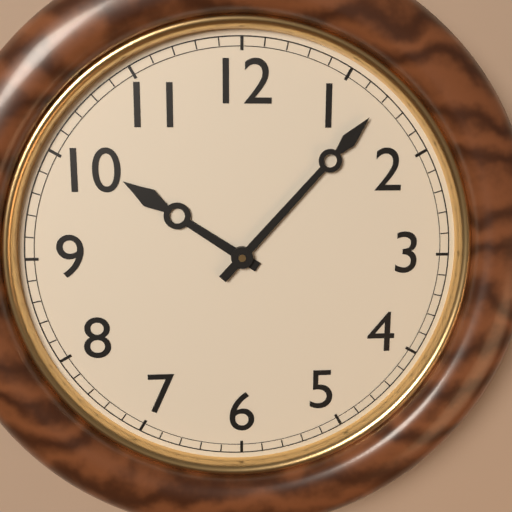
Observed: 10.07
